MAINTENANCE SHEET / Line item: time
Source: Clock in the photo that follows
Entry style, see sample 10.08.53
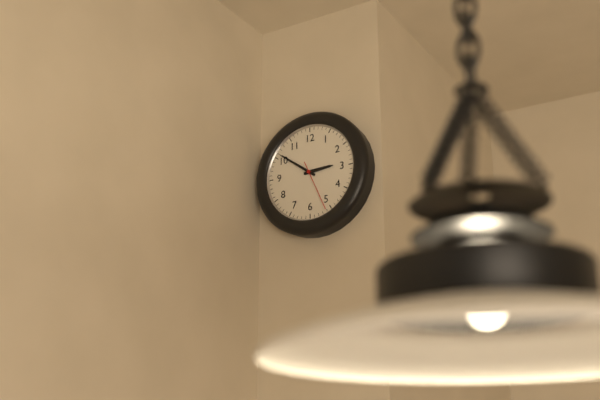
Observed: 2.51.26
